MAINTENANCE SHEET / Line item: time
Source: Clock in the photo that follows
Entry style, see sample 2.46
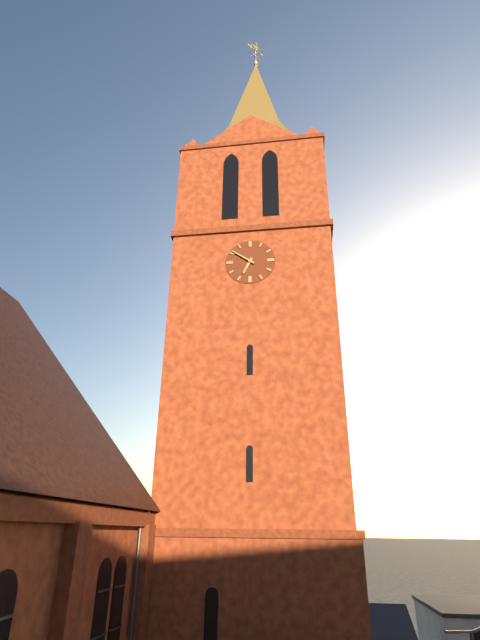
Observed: 6.51
